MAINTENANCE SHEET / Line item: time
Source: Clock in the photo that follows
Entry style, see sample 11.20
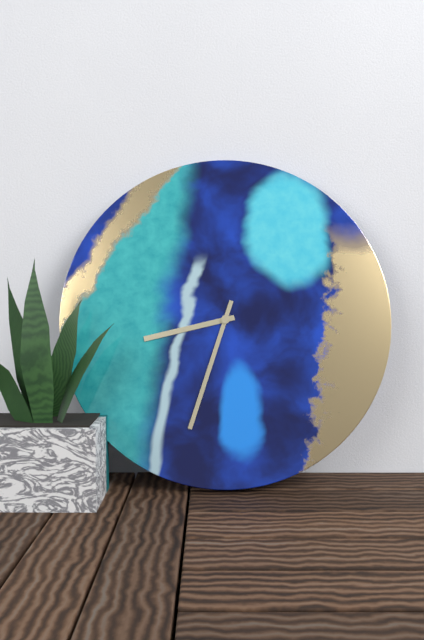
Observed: 8.33
